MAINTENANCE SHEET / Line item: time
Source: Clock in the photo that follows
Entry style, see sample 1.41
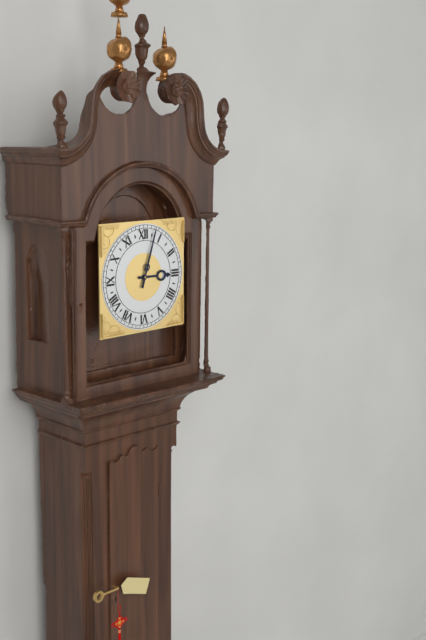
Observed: 3.03
